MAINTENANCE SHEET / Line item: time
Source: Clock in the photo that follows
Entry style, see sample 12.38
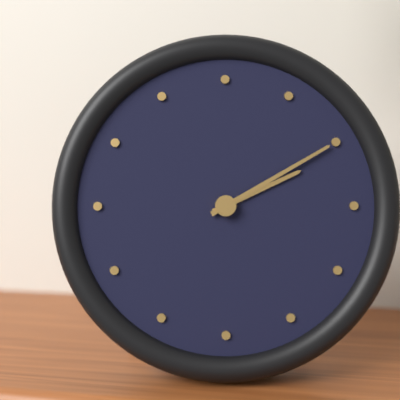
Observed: 2.10
